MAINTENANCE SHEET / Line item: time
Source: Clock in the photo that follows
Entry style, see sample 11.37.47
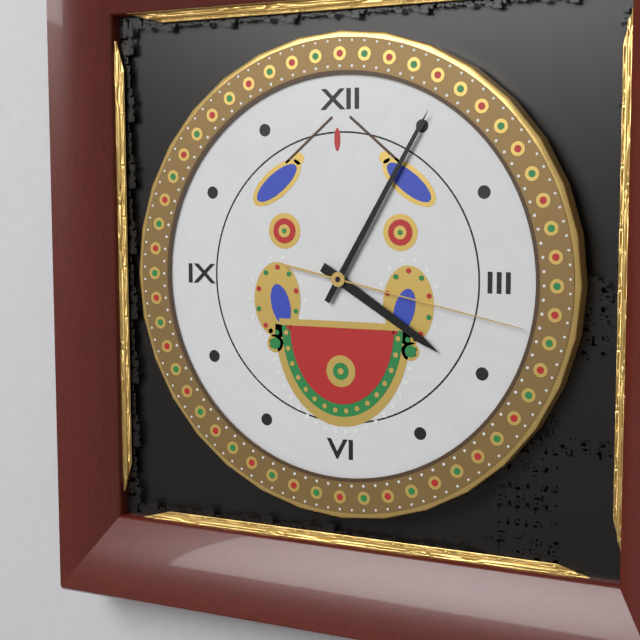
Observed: 4.05.17
